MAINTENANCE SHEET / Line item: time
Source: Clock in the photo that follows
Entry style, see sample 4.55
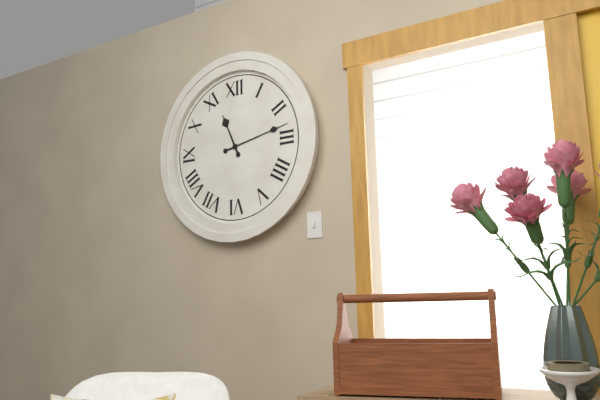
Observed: 11.13
